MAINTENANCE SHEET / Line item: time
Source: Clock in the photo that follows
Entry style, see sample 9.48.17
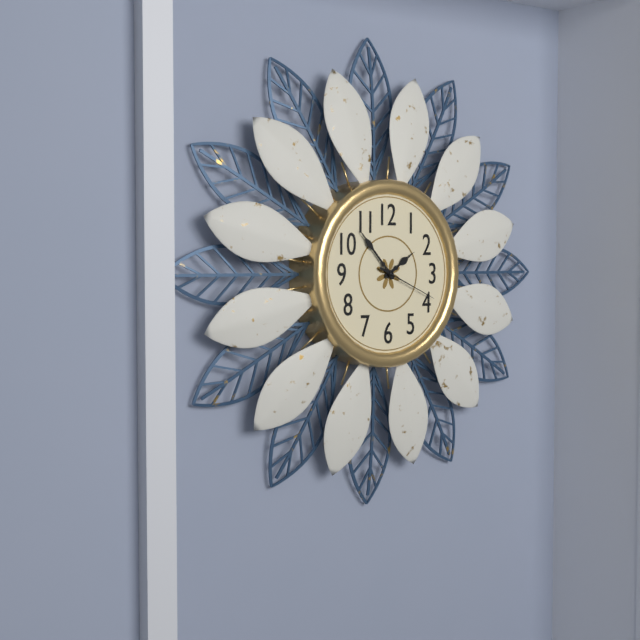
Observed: 1.53.19
